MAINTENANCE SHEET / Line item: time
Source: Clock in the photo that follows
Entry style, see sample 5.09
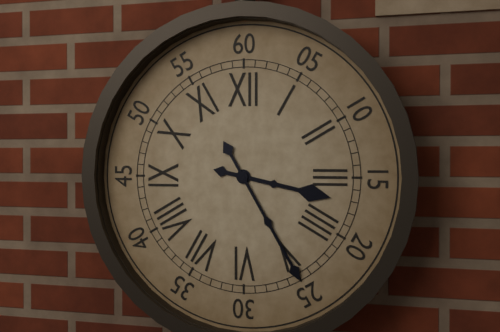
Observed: 3.25
